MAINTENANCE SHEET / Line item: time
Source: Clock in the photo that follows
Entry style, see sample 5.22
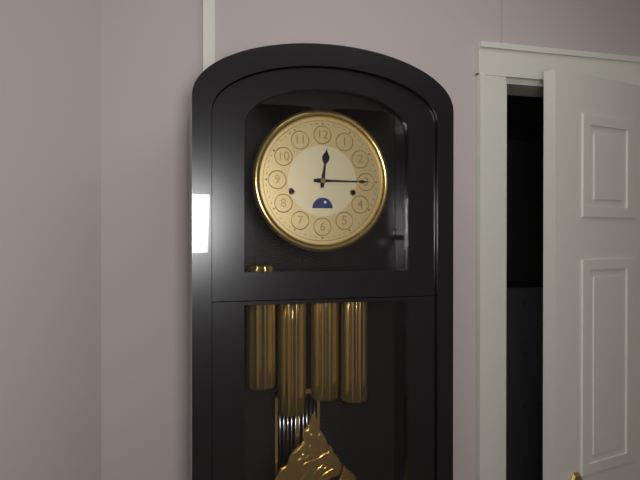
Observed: 12.15
